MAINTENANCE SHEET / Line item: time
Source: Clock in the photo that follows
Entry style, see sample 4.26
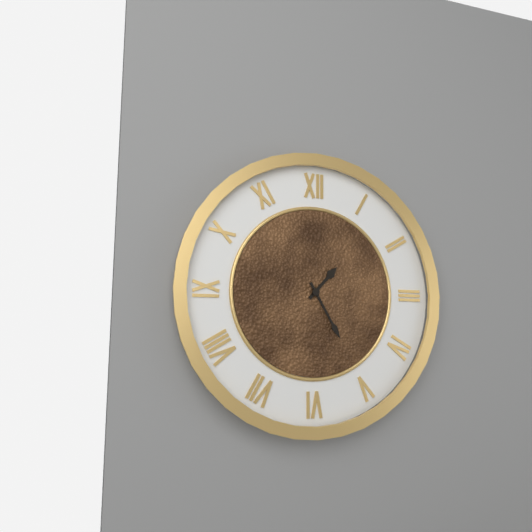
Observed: 1.25
